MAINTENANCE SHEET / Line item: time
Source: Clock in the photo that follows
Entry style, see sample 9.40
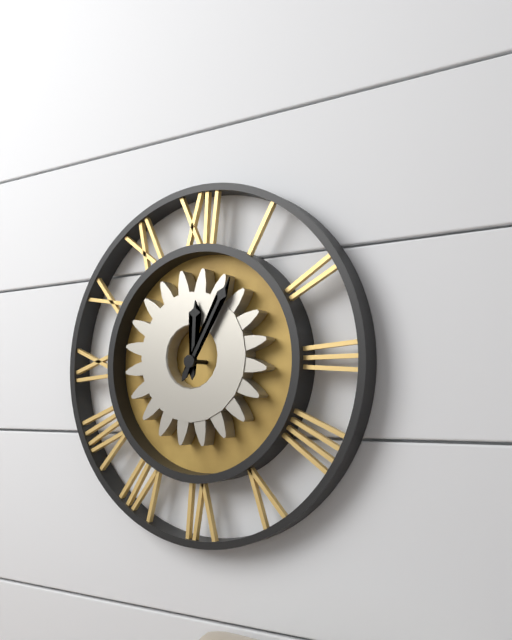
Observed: 12.05
